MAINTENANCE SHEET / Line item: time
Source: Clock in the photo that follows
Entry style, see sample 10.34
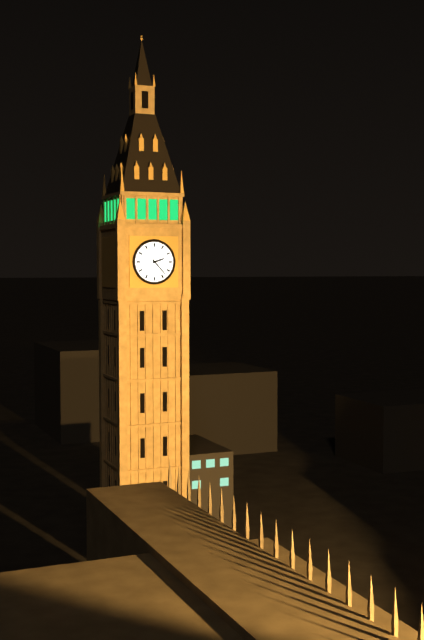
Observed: 2.23
